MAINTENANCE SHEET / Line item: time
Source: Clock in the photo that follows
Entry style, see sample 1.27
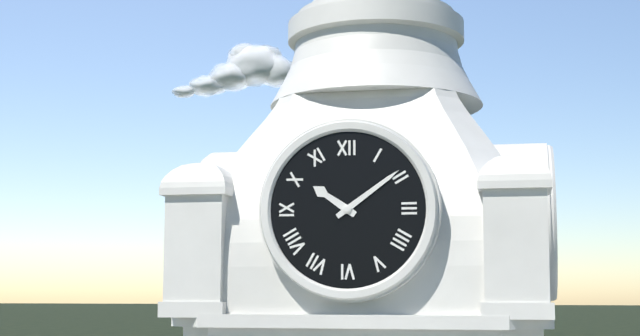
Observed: 10.09
